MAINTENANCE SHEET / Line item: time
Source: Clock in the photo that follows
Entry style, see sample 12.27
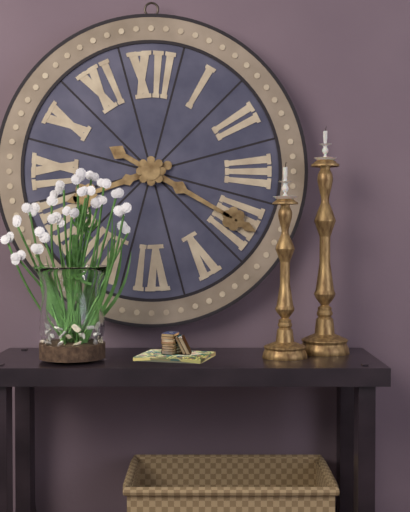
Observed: 8.20
